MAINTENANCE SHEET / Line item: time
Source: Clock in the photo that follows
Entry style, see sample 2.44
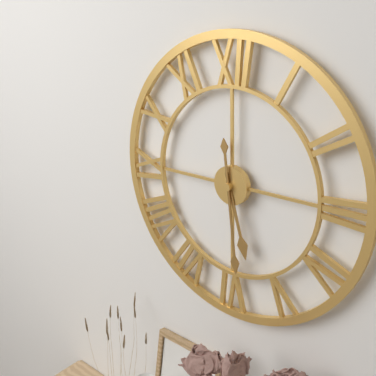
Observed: 5.29
